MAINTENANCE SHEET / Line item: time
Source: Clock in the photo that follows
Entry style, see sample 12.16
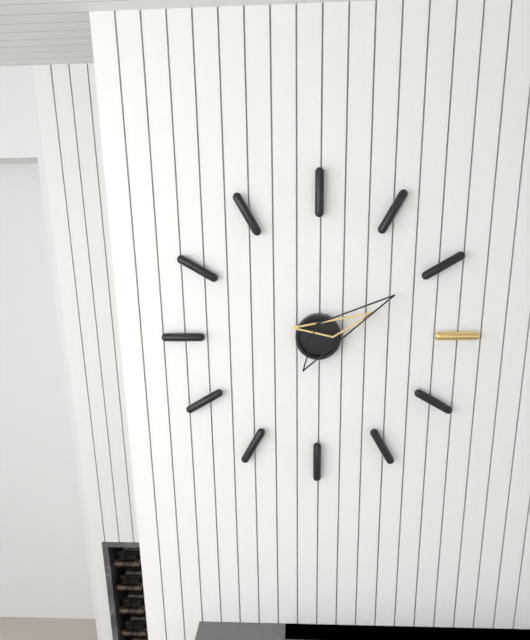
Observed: 2.10
